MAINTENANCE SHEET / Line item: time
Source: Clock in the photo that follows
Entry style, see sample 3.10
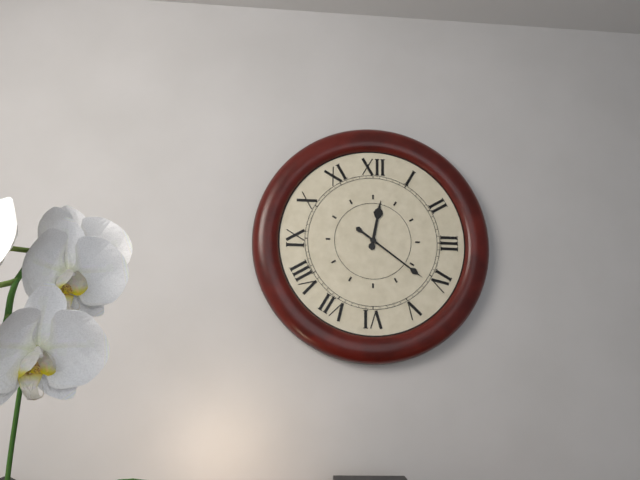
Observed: 12.21
